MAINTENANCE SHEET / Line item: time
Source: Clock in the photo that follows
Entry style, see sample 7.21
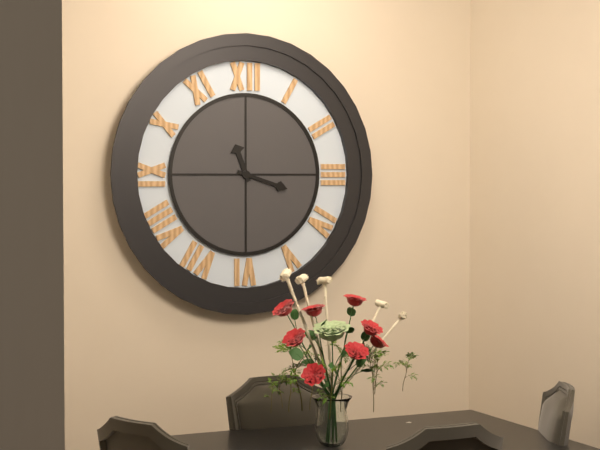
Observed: 11.18
